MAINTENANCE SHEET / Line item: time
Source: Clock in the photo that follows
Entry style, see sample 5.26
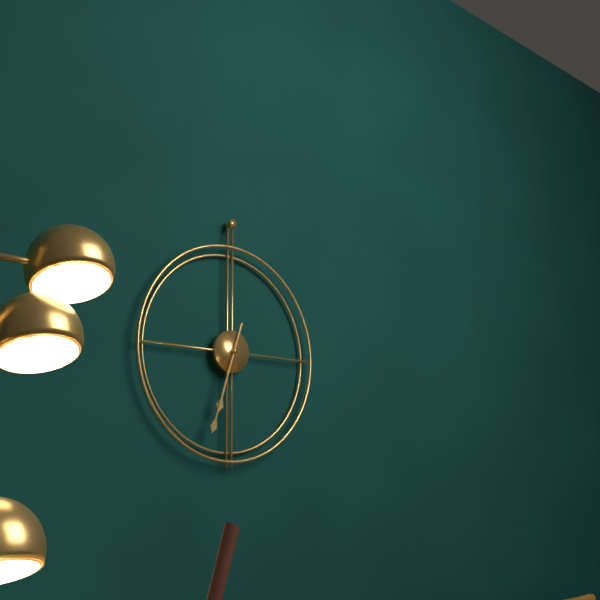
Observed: 6.33
